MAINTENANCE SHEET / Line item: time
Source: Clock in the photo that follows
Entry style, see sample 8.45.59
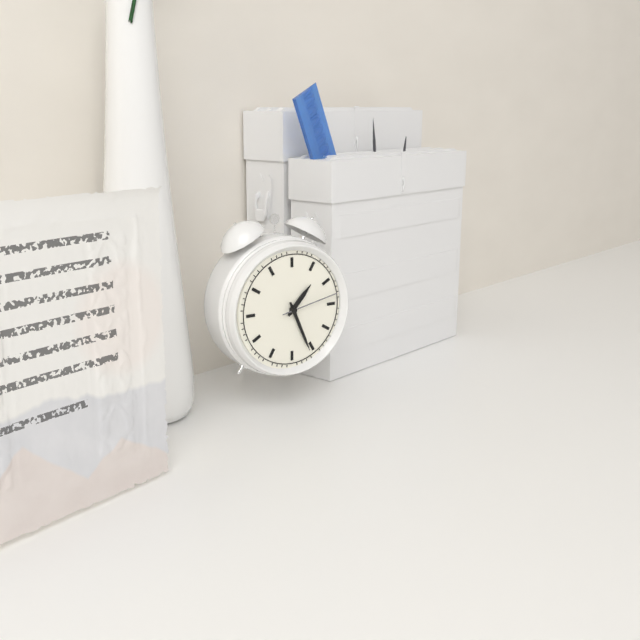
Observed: 1.26.13
